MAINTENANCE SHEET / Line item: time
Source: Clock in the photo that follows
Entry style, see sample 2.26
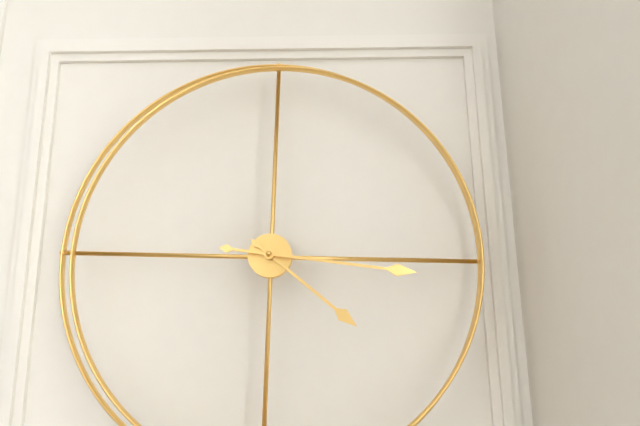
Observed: 4.16
